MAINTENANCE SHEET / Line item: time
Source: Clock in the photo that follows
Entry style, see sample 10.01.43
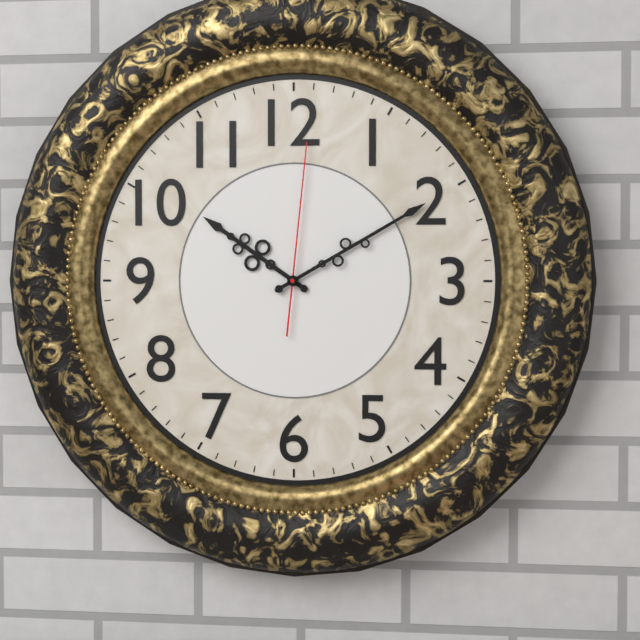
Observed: 10.10.01
